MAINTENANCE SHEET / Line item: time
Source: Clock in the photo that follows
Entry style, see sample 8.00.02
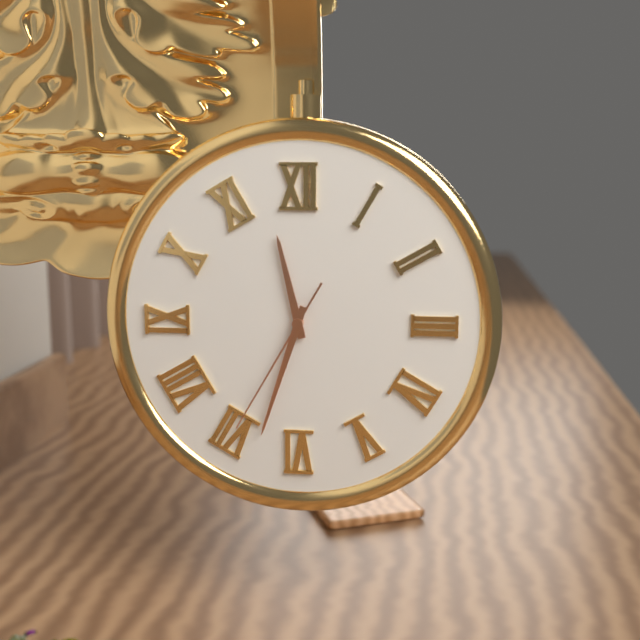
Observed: 11.33.35
